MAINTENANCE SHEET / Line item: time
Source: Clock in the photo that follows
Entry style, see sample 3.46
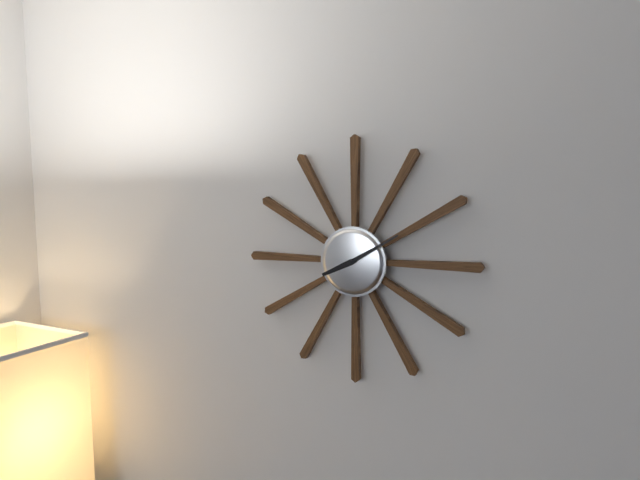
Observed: 8.10
